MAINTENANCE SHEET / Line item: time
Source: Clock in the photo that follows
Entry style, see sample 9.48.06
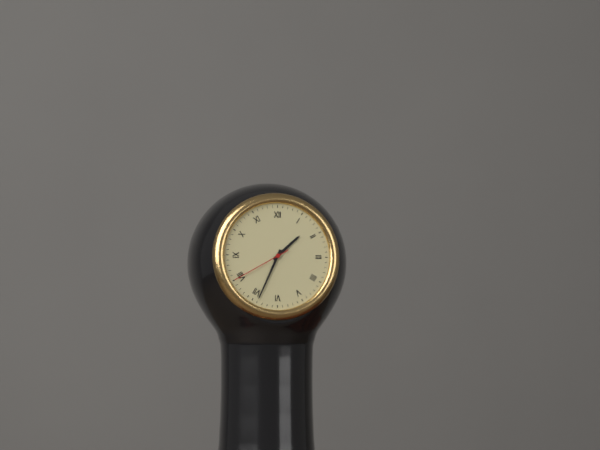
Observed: 1.34.40
